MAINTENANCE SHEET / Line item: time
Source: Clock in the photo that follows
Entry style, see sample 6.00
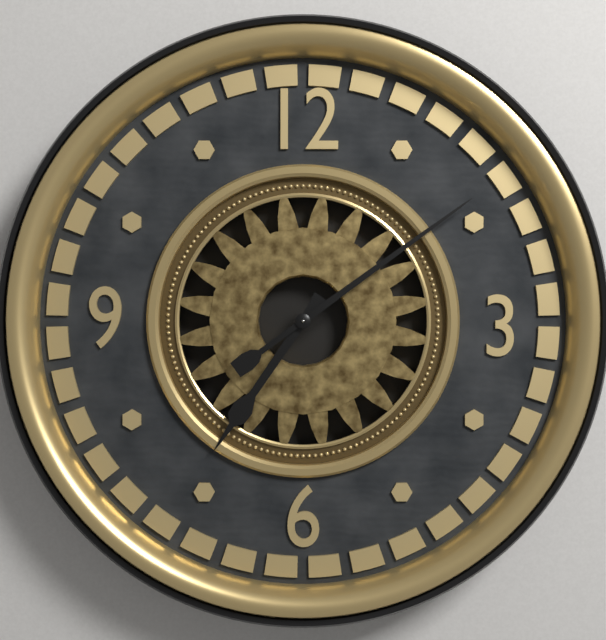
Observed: 7.09
